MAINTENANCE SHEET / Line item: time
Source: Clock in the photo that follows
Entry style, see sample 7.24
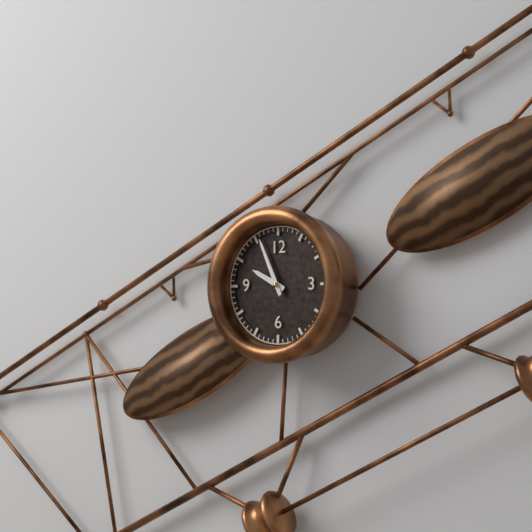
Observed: 9.56
